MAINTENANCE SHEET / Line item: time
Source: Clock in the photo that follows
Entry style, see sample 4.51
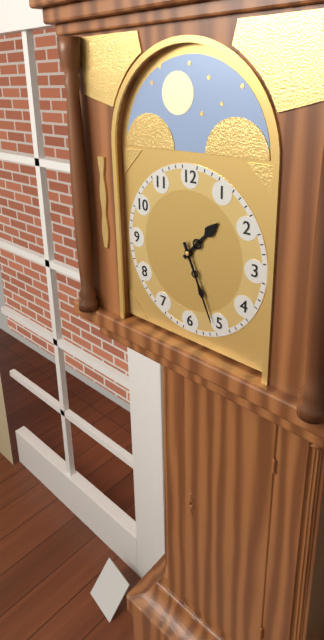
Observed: 1.26
